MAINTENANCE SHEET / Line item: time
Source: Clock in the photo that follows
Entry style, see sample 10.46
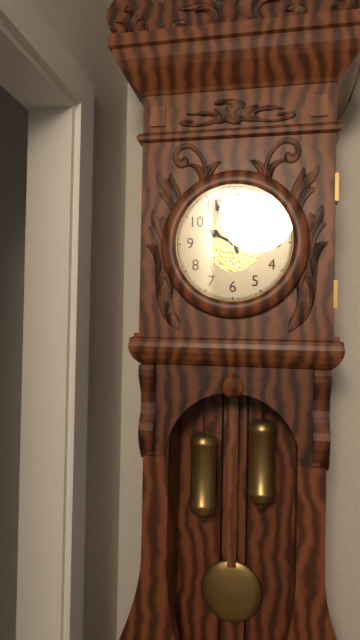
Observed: 9.56
